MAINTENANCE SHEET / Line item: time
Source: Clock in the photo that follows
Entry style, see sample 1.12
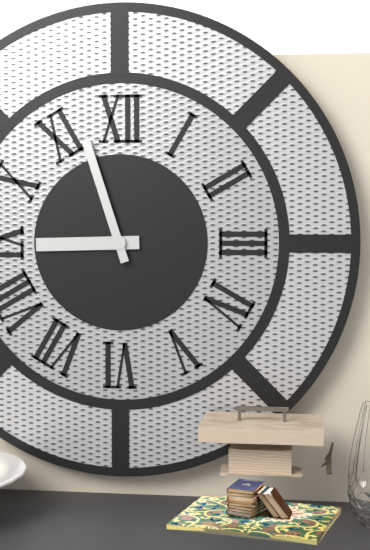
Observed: 8.57
